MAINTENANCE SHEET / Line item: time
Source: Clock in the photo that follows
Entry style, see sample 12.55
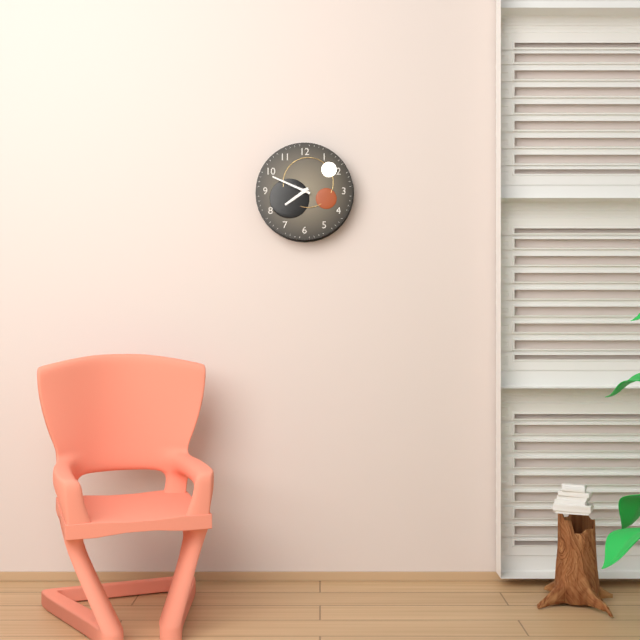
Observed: 7.49
